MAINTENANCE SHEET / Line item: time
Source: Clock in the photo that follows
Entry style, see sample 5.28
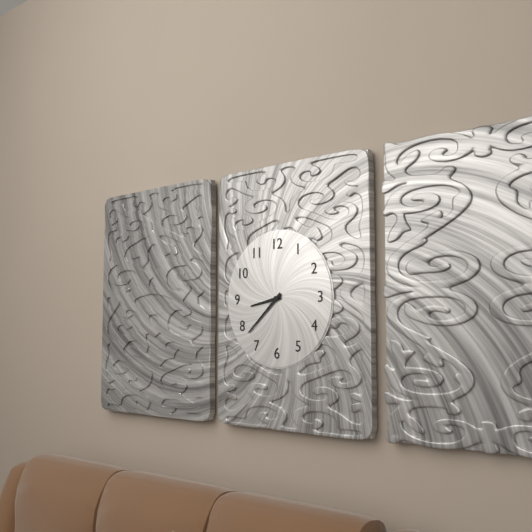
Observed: 8.38
